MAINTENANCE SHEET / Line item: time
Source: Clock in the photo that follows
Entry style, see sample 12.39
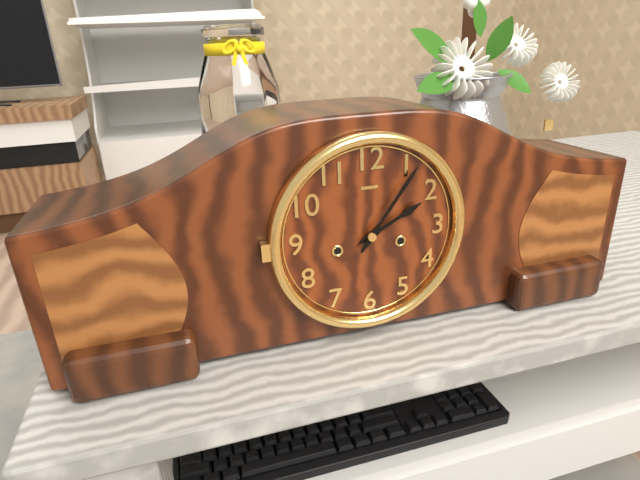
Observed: 2.06
